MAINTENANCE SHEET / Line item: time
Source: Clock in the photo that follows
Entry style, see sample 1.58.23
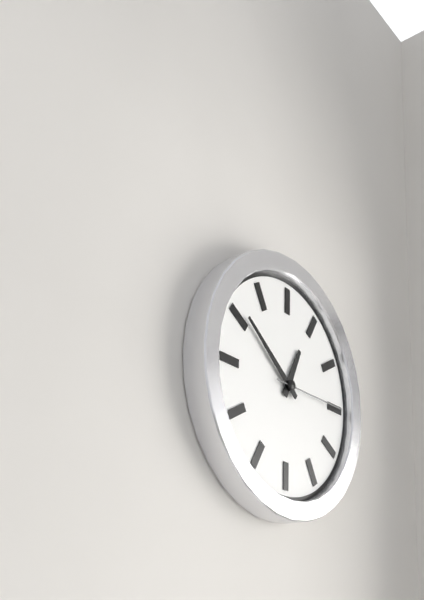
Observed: 12.51.15
